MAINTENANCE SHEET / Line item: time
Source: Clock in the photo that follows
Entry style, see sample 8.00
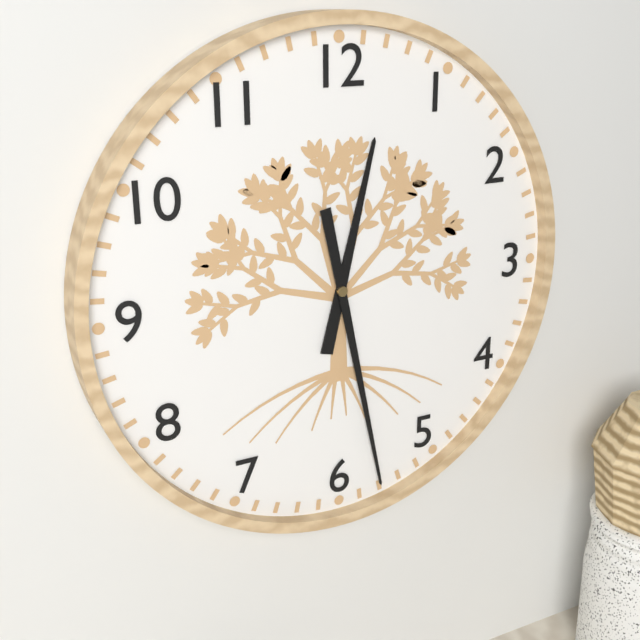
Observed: 12.28
